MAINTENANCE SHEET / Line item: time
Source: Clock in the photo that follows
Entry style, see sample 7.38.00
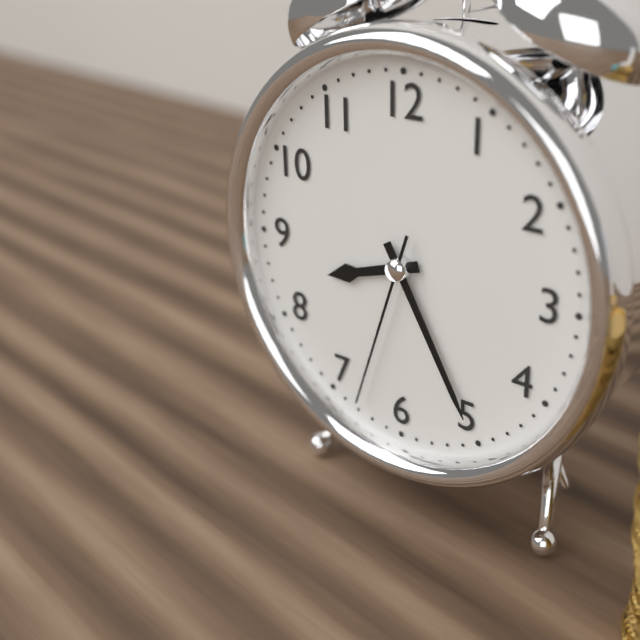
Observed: 8.25.33
